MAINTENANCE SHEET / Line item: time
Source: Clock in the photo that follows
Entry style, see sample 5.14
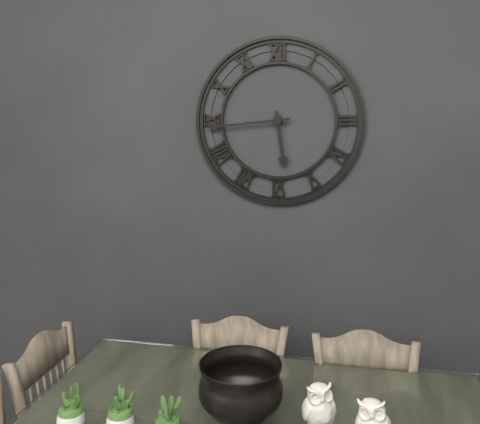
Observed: 5.44
